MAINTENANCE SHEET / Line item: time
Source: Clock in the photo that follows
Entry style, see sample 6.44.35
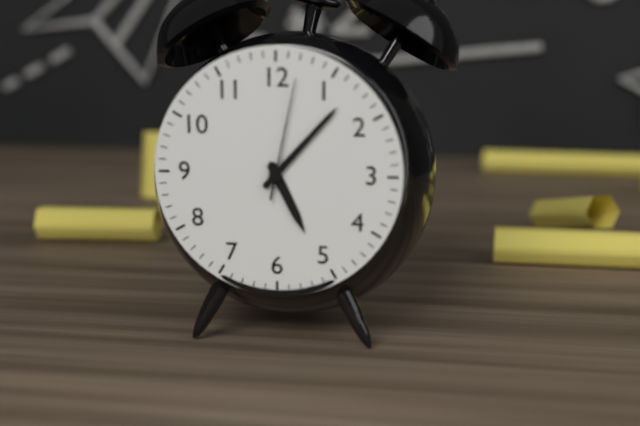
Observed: 5.07.02
